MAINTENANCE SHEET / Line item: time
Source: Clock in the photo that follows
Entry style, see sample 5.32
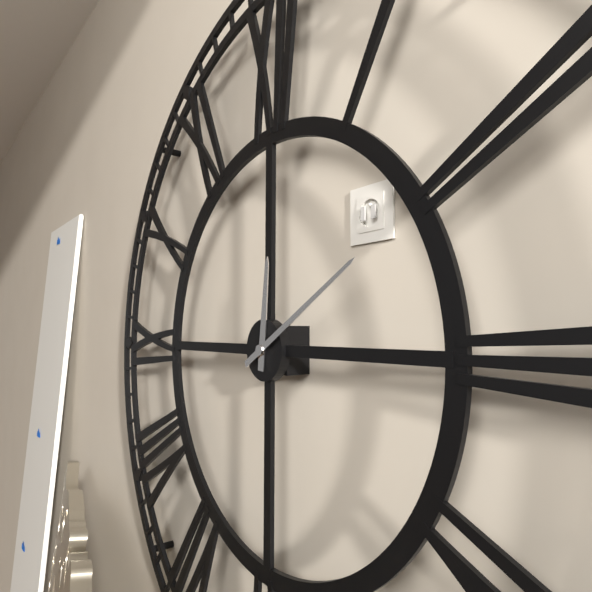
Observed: 12.10
